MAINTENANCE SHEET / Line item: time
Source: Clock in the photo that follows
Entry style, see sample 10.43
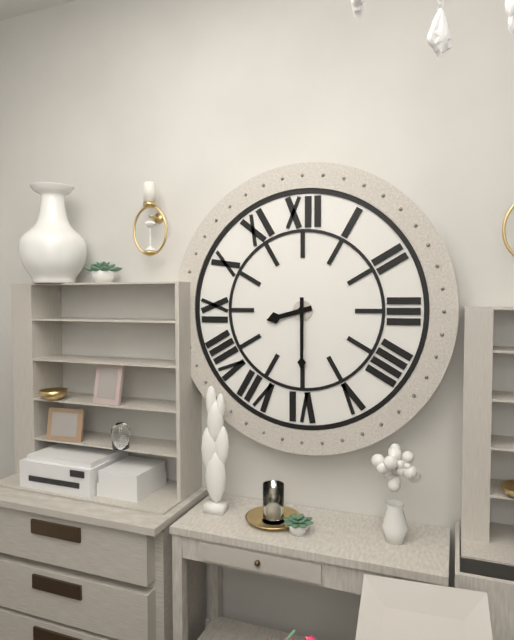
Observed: 8.30
